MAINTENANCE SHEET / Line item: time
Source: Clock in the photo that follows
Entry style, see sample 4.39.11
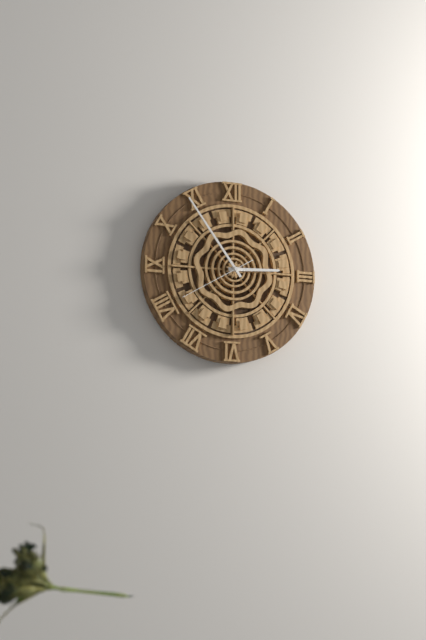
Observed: 2.54.40
